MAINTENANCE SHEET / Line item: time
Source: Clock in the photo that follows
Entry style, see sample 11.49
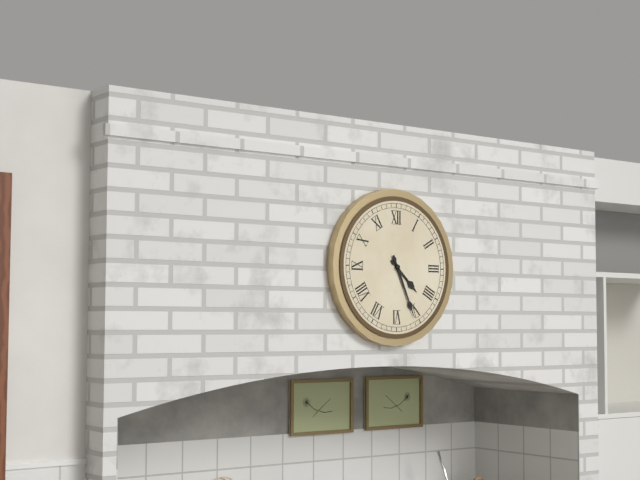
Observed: 4.26
